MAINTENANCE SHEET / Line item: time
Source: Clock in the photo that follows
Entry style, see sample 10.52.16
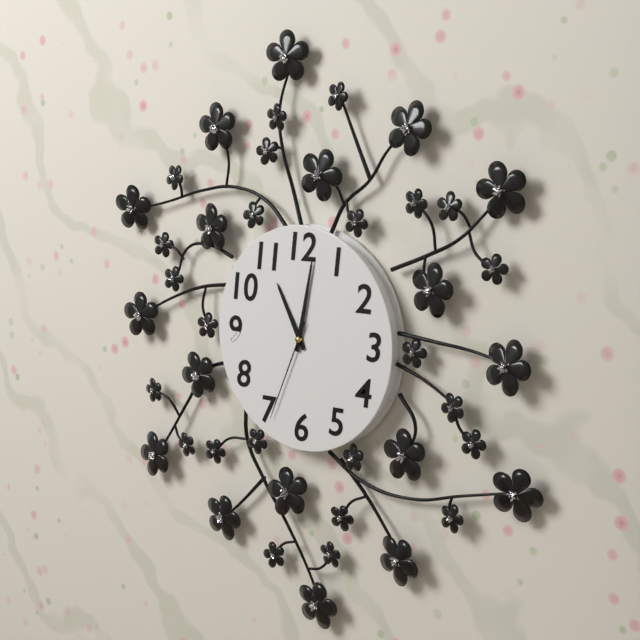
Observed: 11.02.34
